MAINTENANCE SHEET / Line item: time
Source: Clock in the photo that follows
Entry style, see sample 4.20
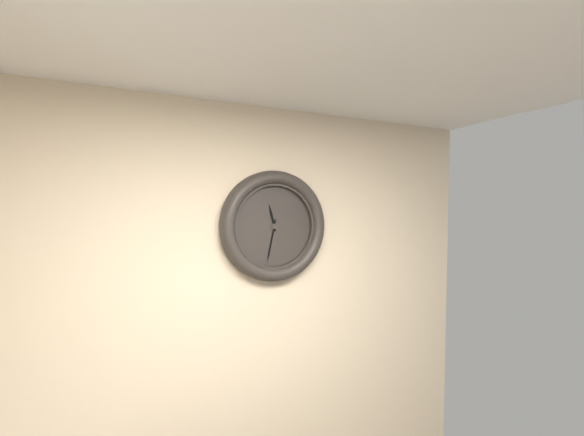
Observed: 11.32
